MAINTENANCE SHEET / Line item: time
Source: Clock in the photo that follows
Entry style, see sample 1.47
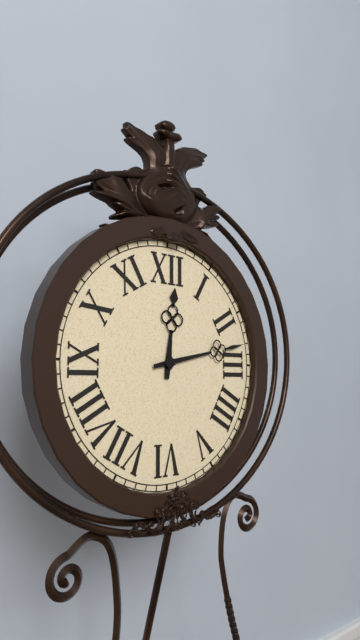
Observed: 12.13
